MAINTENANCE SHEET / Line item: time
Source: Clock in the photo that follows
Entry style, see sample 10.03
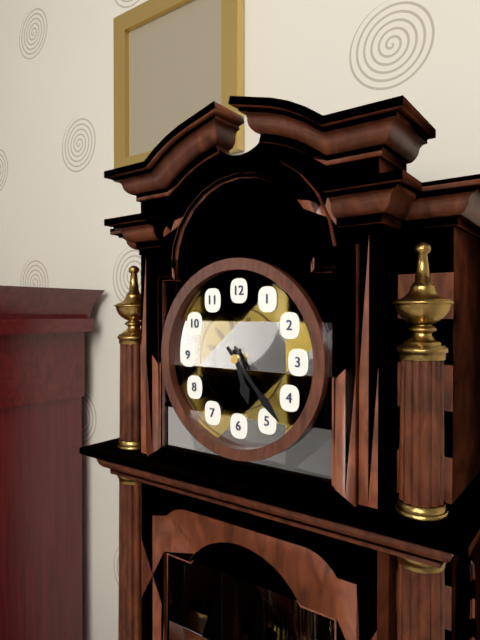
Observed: 5.23
